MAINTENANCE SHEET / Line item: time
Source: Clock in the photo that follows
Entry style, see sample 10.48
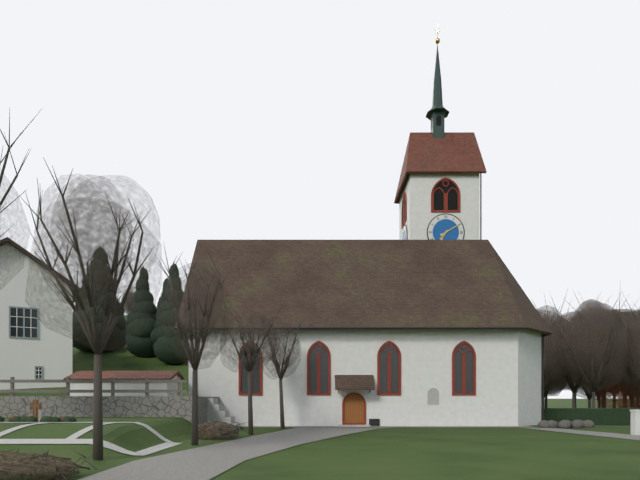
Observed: 7.10
